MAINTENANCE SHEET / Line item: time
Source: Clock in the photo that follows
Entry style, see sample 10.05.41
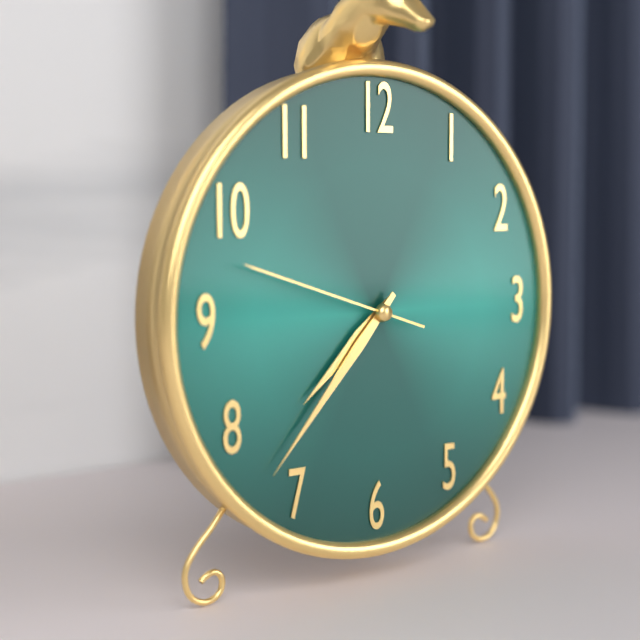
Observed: 7.37.48
